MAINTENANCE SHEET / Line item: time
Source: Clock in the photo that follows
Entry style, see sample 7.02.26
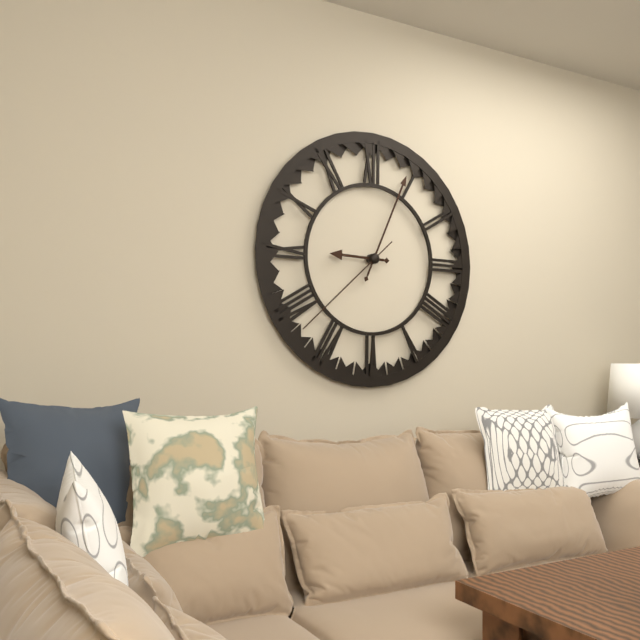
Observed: 9.04.38
